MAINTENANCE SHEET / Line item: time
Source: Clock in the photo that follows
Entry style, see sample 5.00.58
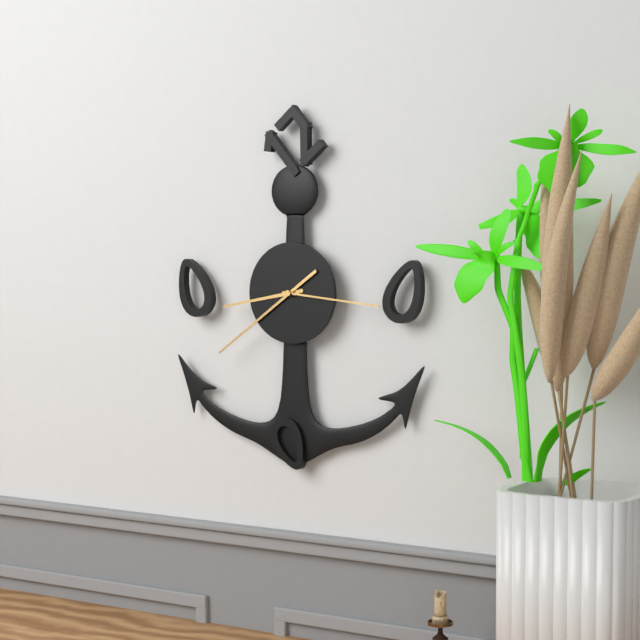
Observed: 8.39.16
